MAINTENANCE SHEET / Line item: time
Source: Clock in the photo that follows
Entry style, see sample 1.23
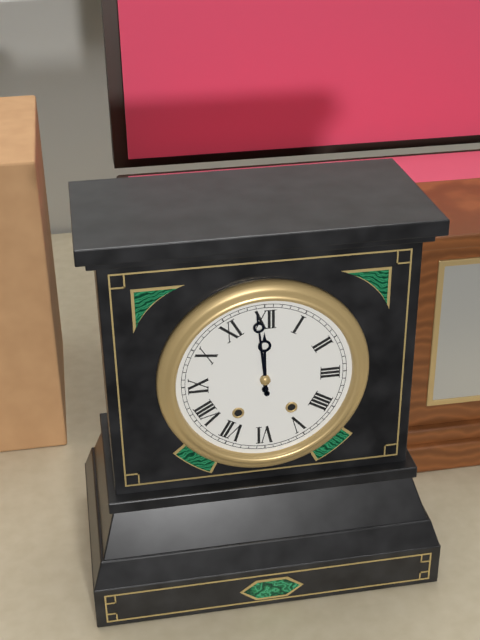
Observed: 11.59
